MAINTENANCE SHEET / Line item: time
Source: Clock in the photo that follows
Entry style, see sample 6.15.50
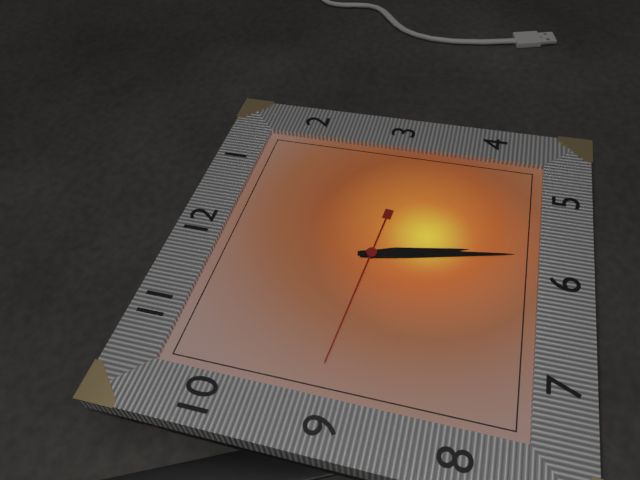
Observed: 5.28.46
